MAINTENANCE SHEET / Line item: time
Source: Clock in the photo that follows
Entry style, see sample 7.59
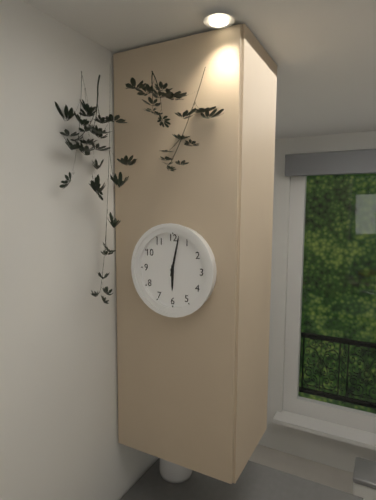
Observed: 6.02
